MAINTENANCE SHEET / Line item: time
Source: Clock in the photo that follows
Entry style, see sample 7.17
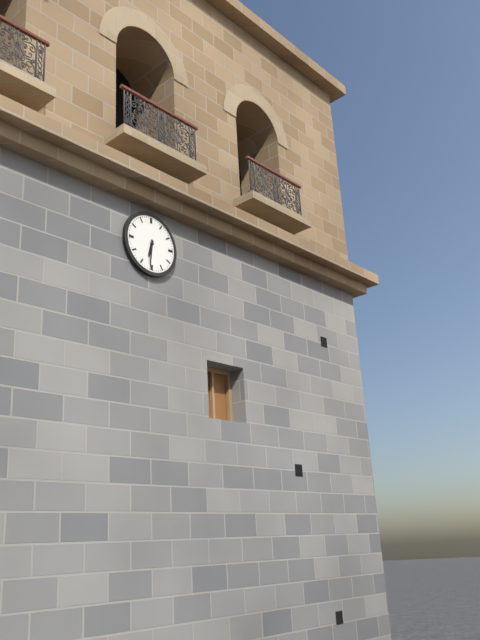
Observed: 6.31
